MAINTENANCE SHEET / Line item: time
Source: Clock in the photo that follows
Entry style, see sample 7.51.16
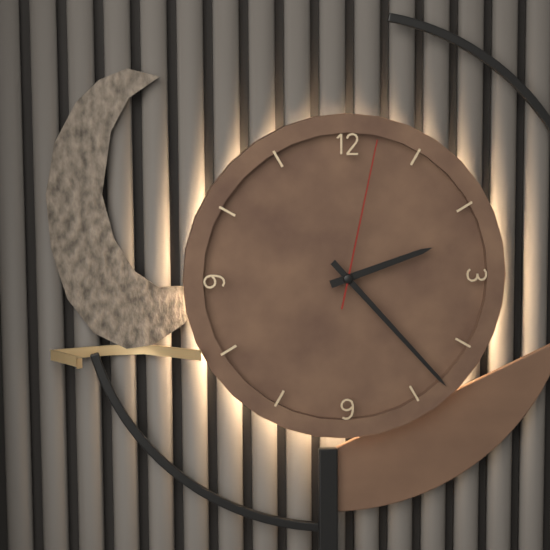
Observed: 2.23.02
